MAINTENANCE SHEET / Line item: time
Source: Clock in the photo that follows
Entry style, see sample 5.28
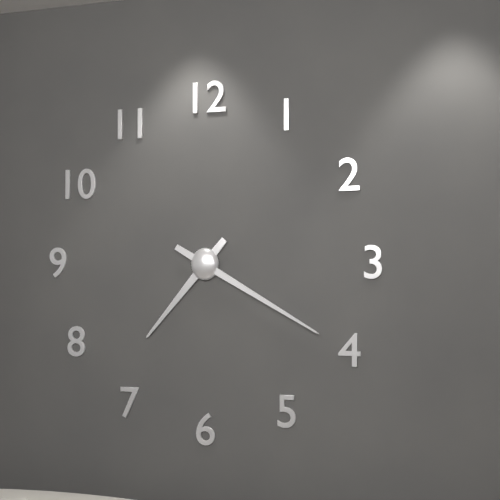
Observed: 7.20
